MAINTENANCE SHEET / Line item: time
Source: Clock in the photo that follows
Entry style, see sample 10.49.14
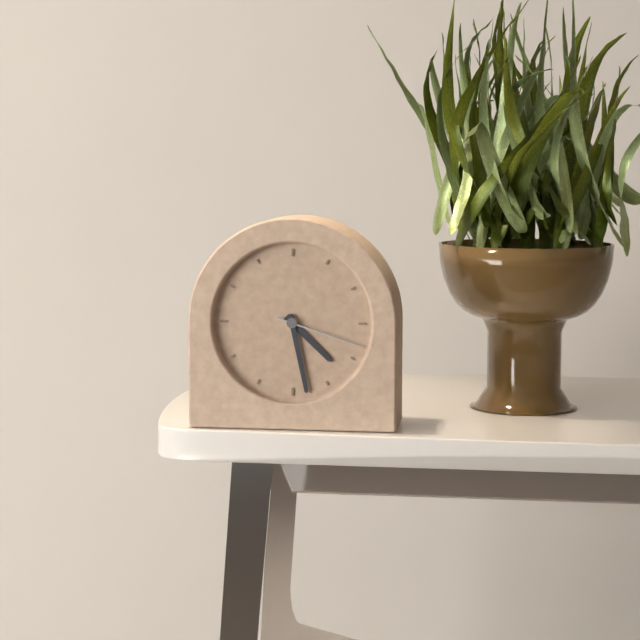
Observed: 4.28.18
